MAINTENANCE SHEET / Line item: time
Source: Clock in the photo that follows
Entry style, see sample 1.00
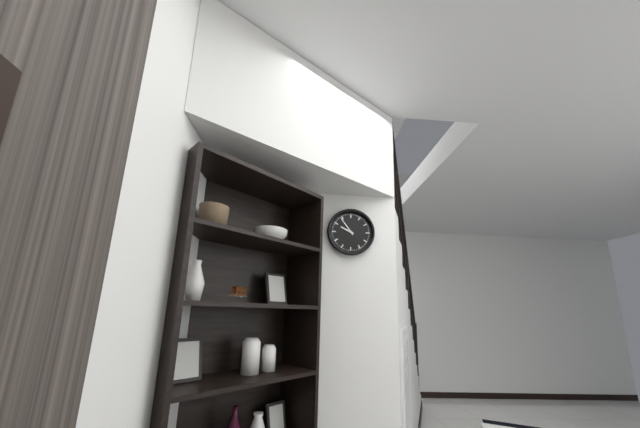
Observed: 9.54
